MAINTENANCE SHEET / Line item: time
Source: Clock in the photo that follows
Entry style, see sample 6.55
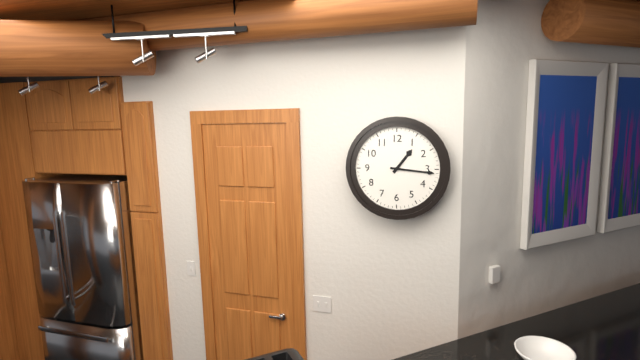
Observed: 1.16
